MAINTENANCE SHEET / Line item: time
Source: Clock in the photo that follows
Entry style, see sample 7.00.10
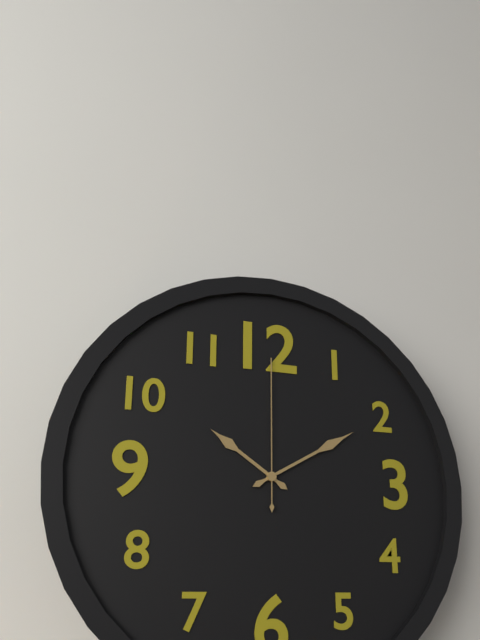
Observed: 10.10.00
